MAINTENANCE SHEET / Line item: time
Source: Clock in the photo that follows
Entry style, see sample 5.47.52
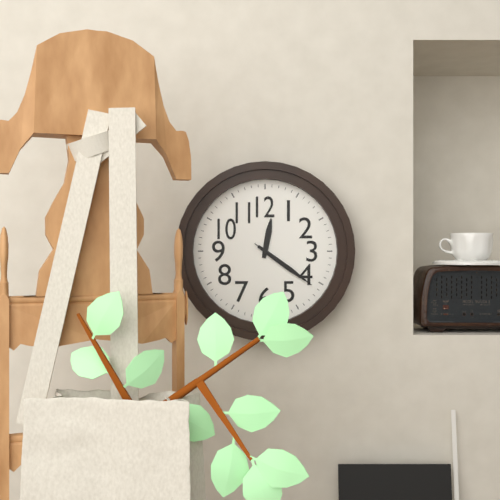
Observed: 12.21.21
